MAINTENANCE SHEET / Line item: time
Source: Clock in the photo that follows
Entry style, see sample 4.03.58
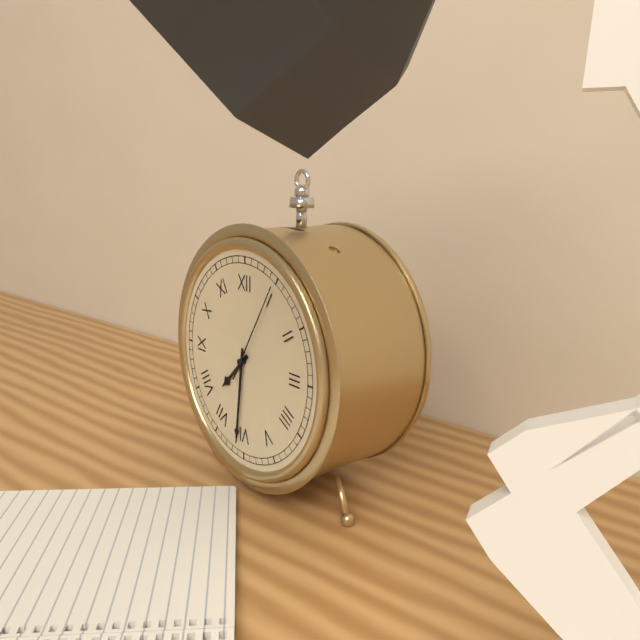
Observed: 7.31.05
